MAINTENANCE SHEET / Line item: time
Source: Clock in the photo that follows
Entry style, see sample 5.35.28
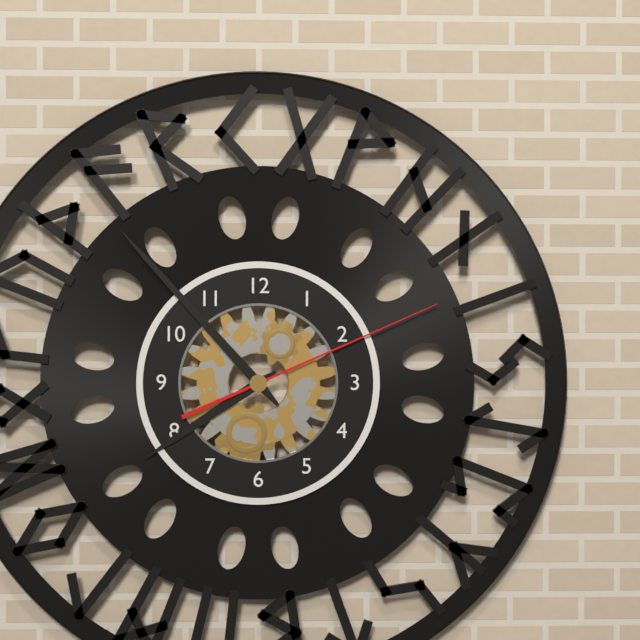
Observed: 7.53.11
